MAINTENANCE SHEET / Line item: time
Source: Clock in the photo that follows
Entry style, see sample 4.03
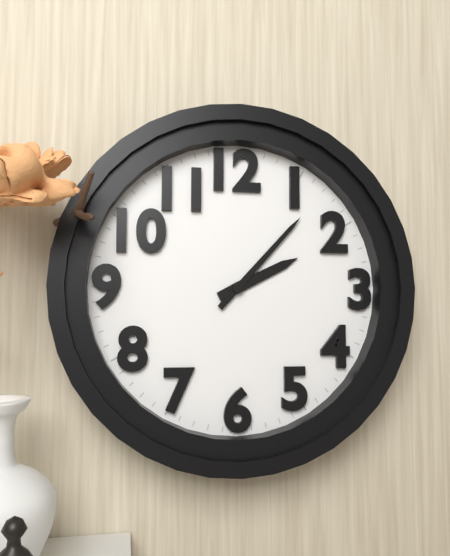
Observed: 2.07
